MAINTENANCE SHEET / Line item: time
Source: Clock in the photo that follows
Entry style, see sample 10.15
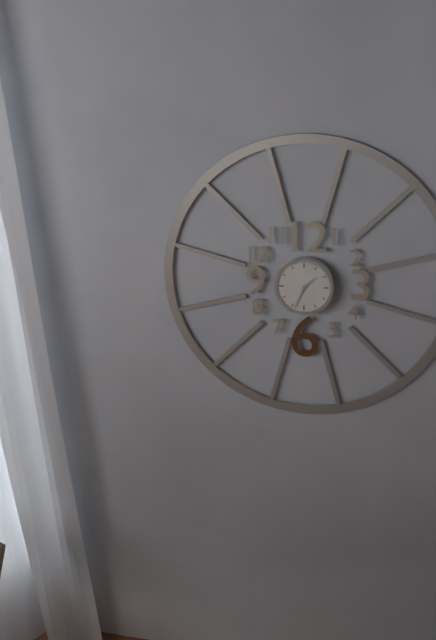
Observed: 1.34
